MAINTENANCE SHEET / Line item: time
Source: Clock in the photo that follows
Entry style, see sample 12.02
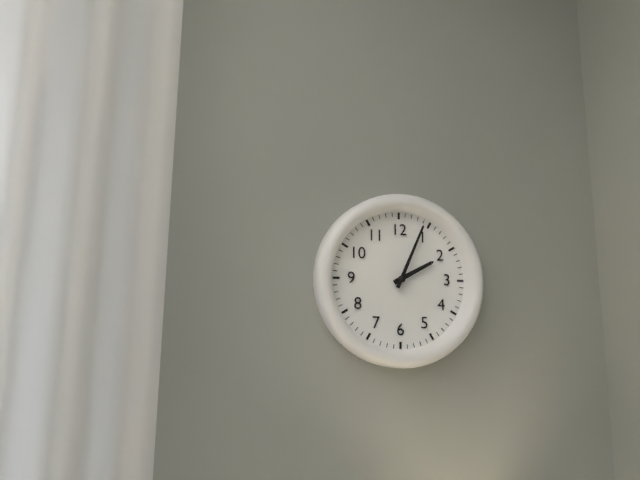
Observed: 2.04
